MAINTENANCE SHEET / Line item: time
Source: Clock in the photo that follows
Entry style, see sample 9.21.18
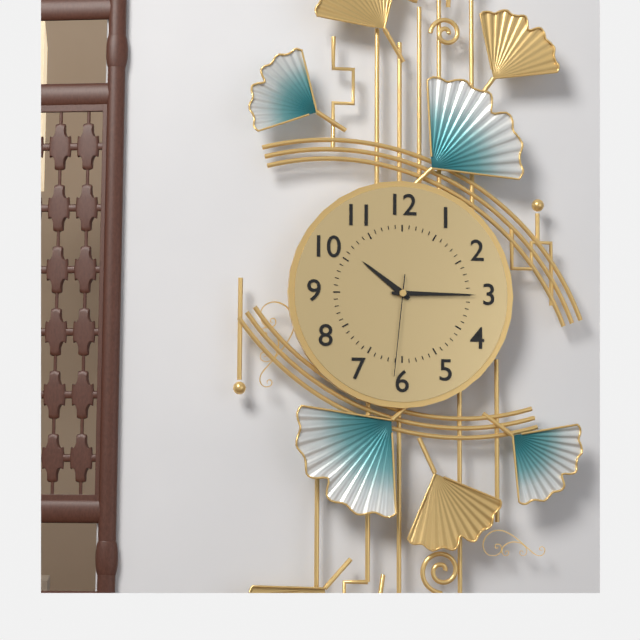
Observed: 10.15.31
